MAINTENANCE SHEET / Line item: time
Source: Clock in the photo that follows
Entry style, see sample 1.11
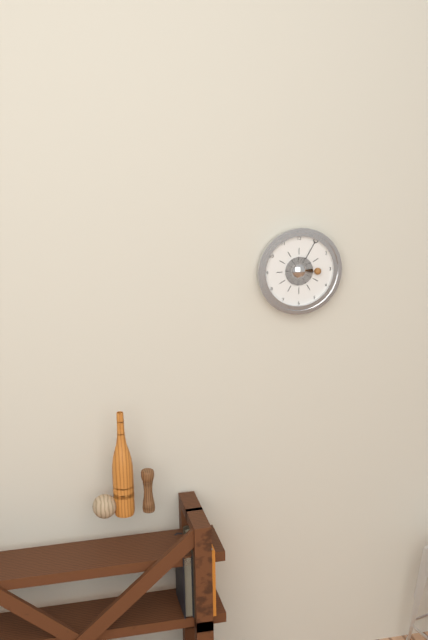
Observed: 3.05
